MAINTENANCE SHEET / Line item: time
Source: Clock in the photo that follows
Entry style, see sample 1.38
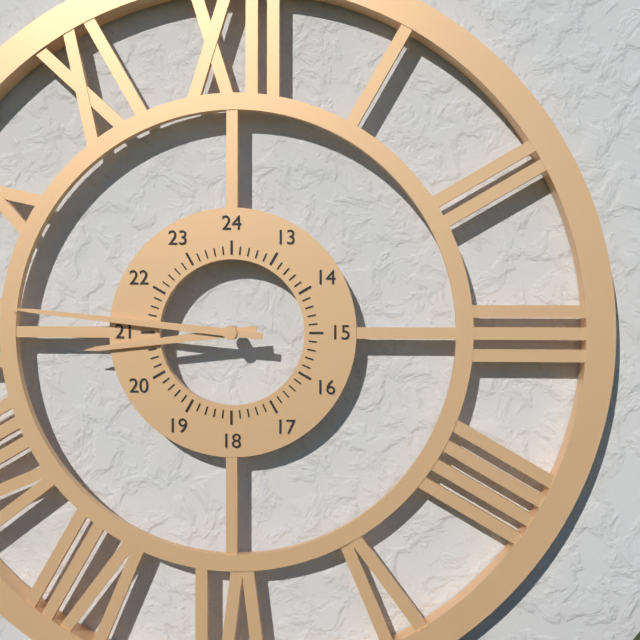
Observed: 8.46
